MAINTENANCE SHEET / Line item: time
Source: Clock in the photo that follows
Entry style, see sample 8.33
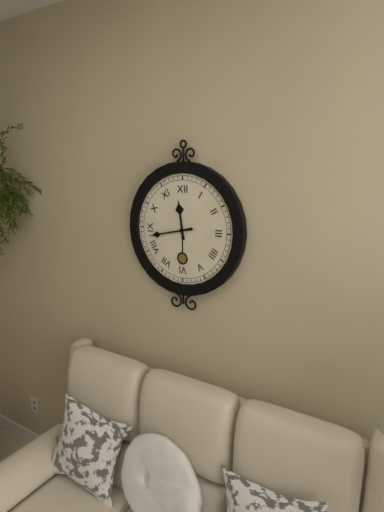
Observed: 11.43
